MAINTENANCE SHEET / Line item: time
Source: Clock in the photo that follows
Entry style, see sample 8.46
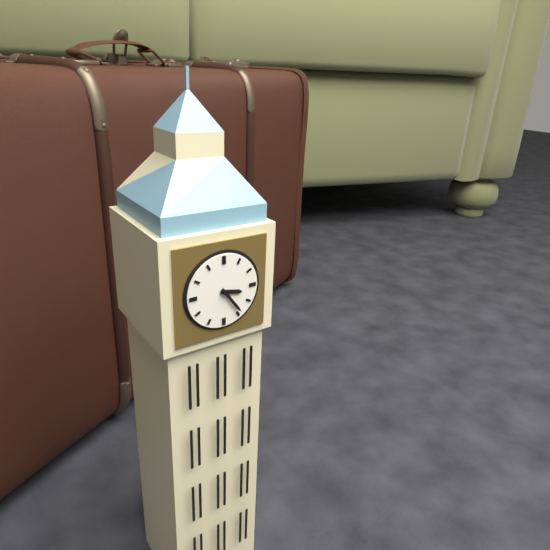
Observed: 3.24
